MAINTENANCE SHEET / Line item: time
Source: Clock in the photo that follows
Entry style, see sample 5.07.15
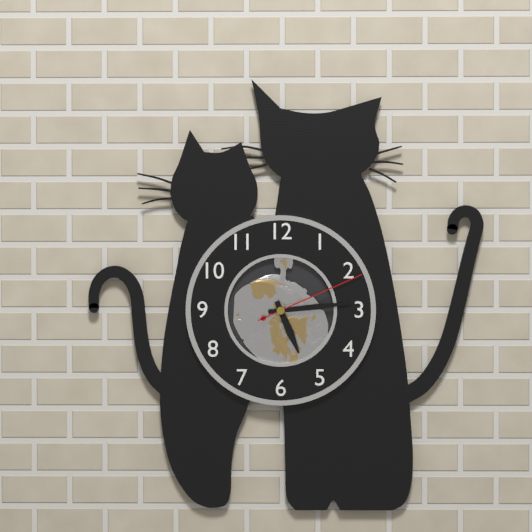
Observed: 5.14.11
